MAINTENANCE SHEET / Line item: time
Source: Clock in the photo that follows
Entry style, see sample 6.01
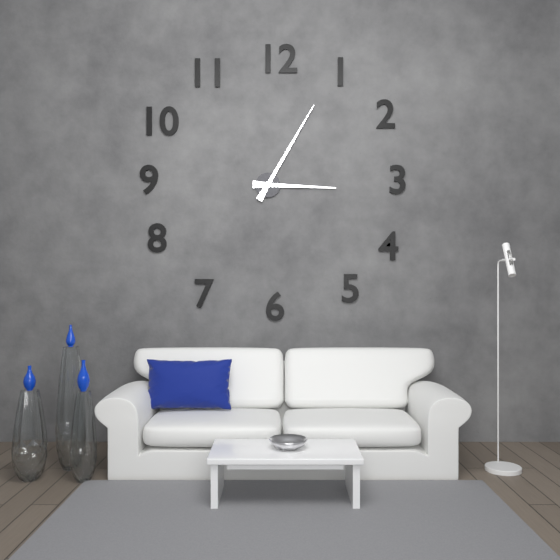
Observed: 3.05
